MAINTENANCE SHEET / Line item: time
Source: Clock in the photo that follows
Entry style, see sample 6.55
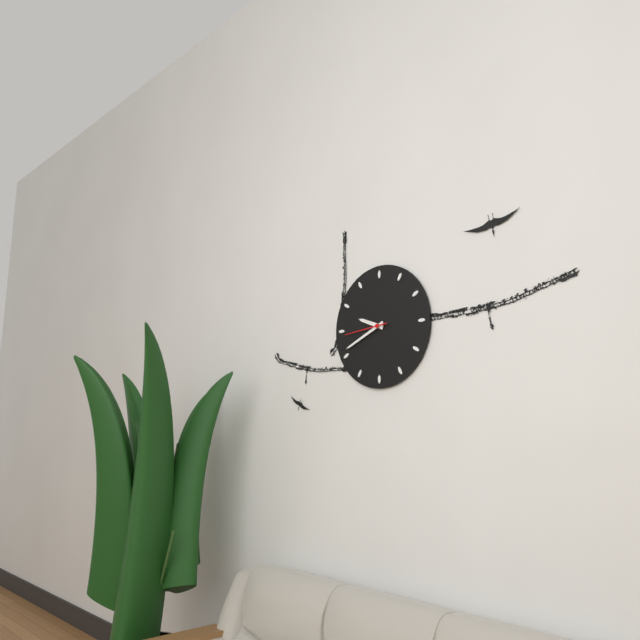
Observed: 9.41
